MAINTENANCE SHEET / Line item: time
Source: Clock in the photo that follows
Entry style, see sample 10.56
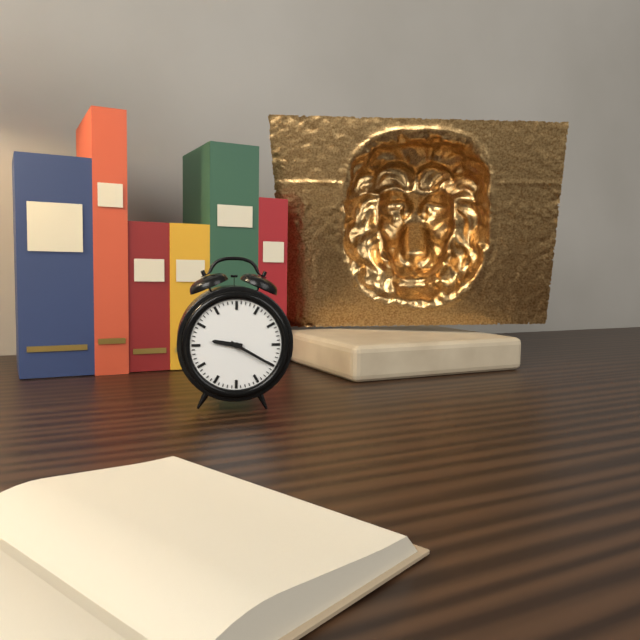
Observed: 9.20
